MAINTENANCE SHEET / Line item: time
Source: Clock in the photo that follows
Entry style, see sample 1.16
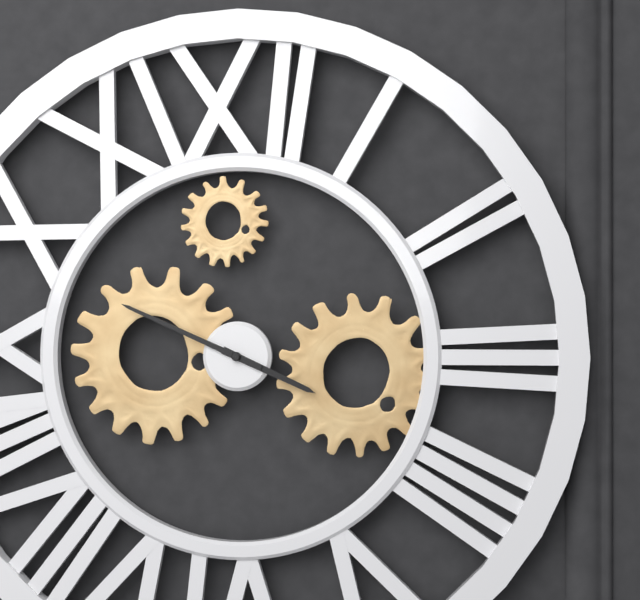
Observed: 3.49
